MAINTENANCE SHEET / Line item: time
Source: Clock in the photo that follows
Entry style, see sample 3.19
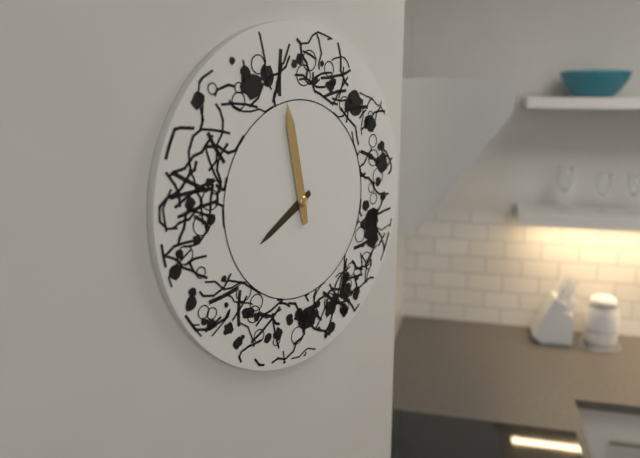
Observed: 7.58
